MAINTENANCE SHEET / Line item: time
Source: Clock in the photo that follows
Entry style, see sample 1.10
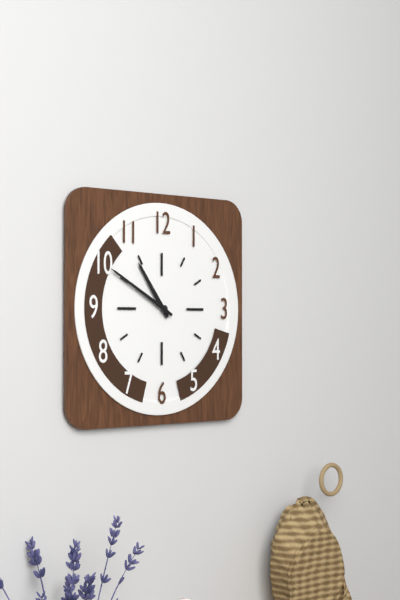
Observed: 10.50
